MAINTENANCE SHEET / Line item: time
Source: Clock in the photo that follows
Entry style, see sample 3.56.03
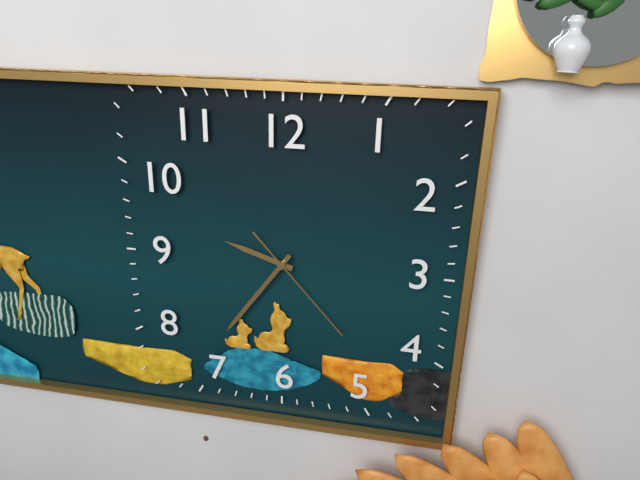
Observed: 9.36.23
